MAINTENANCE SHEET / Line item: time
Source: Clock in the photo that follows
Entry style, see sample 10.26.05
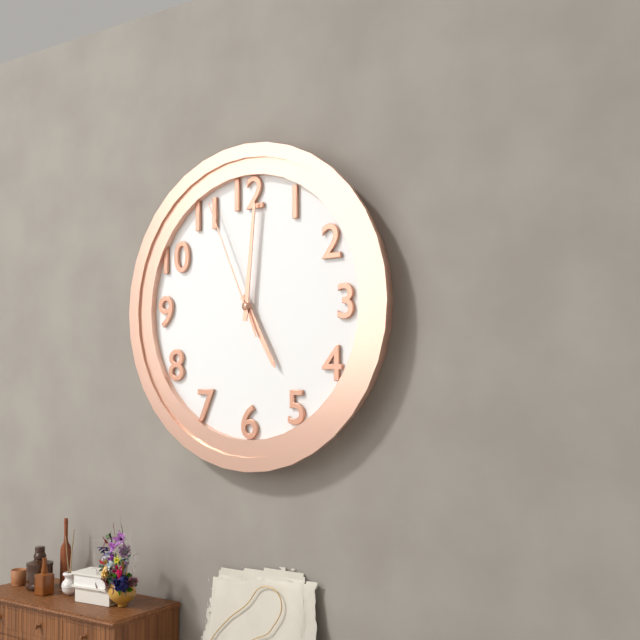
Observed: 5.01.56
